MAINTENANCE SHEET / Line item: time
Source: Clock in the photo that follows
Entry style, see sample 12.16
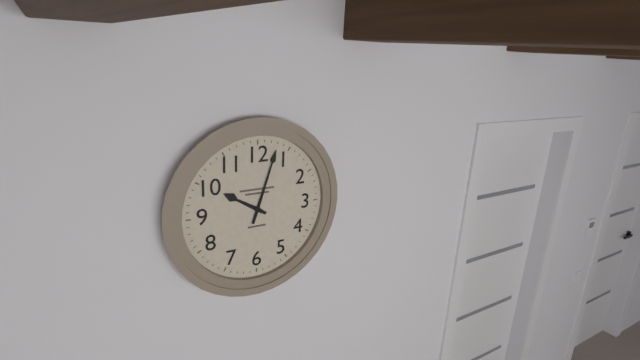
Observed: 10.03
